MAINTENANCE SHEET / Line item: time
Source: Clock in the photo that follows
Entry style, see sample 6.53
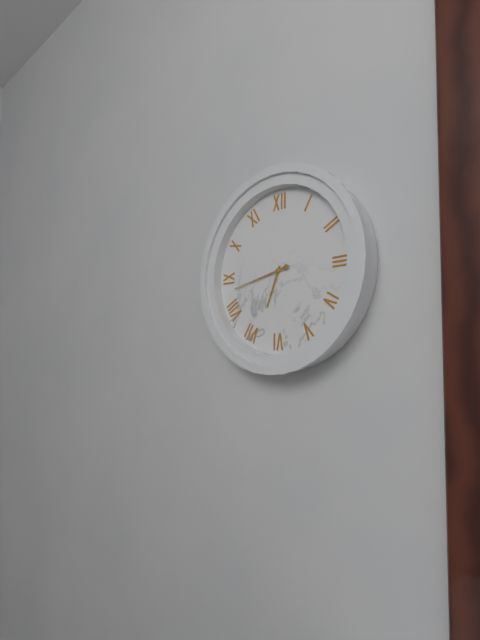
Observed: 6.43
